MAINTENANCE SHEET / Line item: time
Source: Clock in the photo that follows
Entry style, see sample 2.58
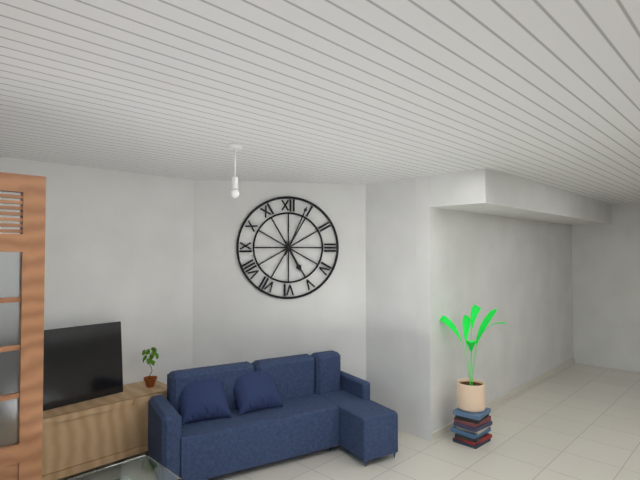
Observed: 5.04
